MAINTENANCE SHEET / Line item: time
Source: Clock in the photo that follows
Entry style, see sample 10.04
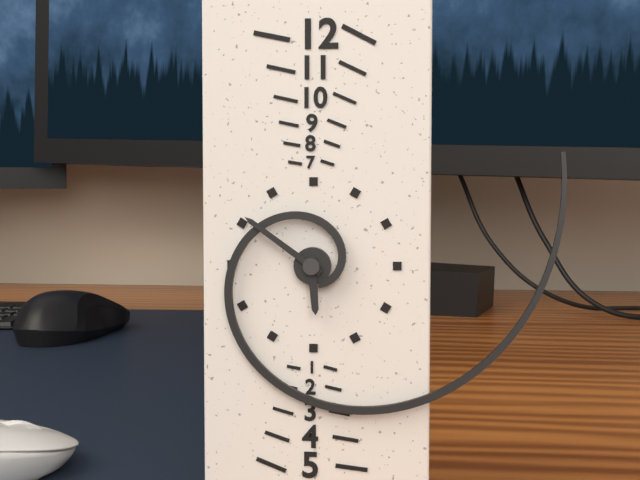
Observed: 5.51
